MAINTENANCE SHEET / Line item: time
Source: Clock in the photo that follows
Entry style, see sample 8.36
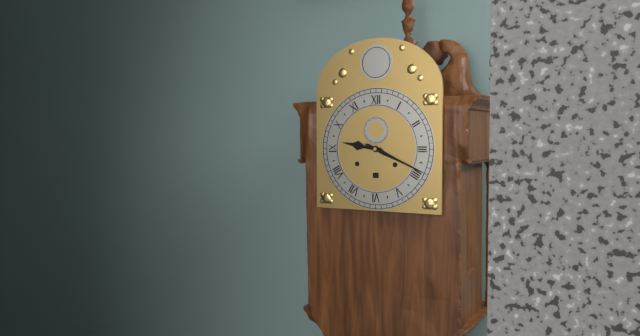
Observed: 9.19
